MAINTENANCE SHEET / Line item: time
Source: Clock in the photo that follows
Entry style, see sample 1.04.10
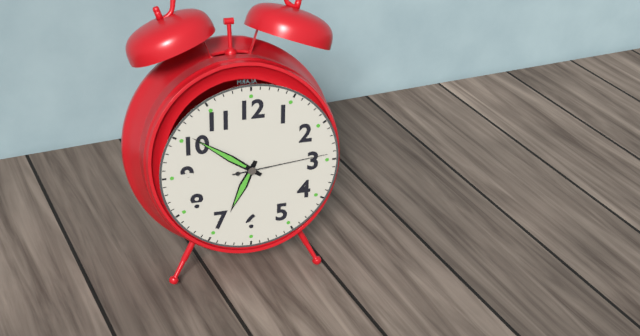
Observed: 6.51.14
